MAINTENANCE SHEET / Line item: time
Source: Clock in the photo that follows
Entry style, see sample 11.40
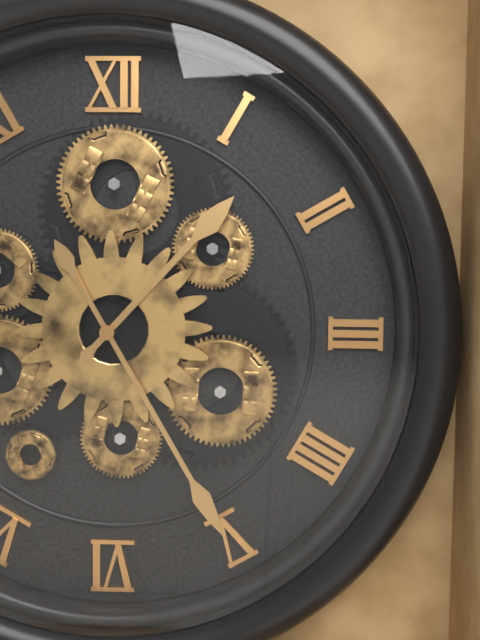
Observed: 1.25
